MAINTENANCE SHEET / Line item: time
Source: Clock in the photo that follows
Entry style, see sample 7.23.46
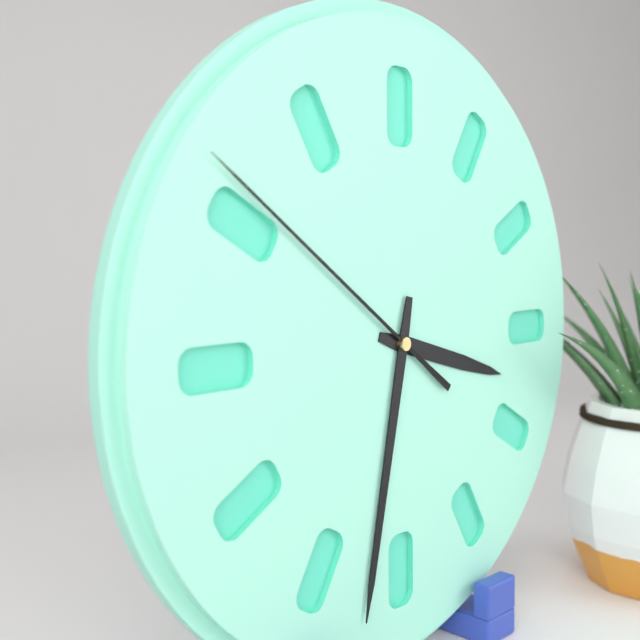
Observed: 3.32.51
